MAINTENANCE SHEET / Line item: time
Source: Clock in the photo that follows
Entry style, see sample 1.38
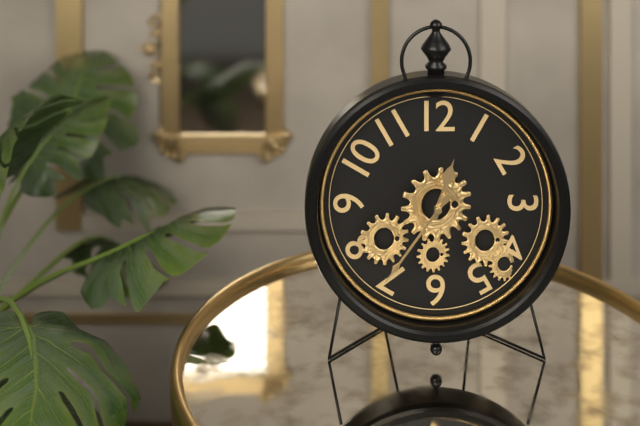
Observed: 12.36
